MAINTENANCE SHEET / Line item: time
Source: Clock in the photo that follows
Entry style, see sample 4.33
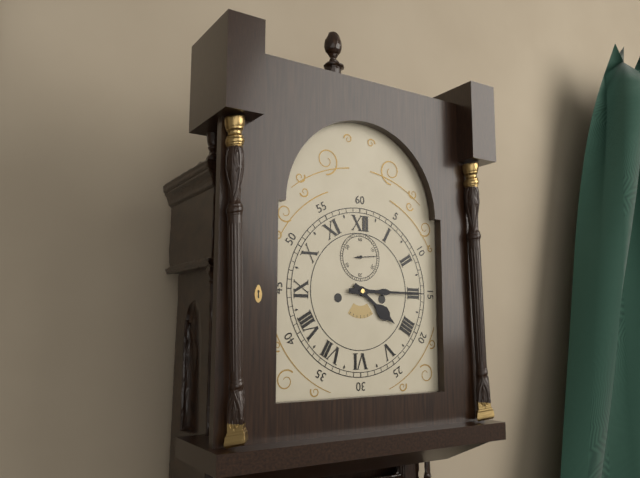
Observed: 4.15
